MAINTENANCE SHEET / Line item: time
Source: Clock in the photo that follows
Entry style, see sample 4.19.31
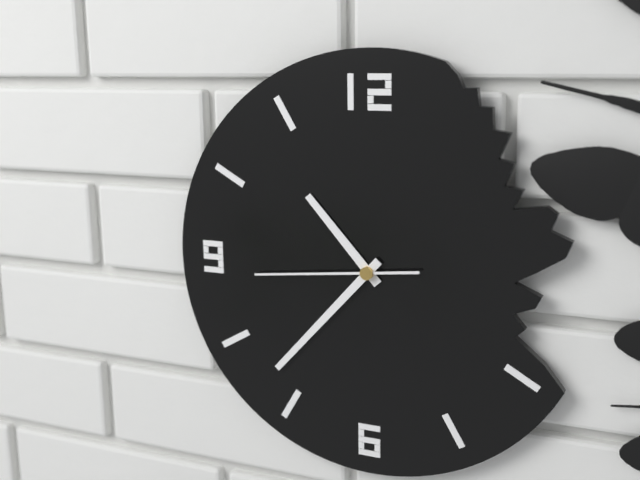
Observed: 10.37.44
